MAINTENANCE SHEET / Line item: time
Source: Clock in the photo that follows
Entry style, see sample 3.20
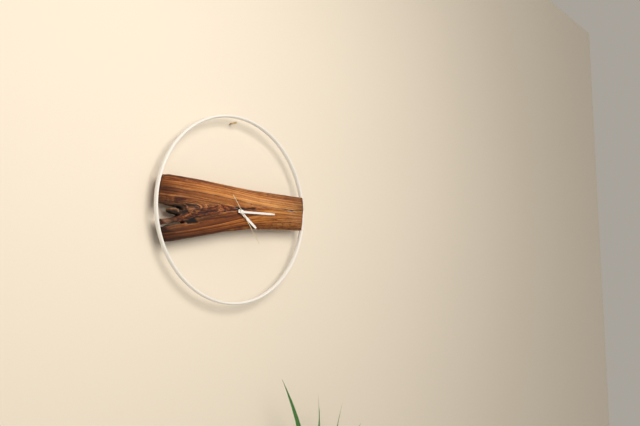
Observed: 4.15
